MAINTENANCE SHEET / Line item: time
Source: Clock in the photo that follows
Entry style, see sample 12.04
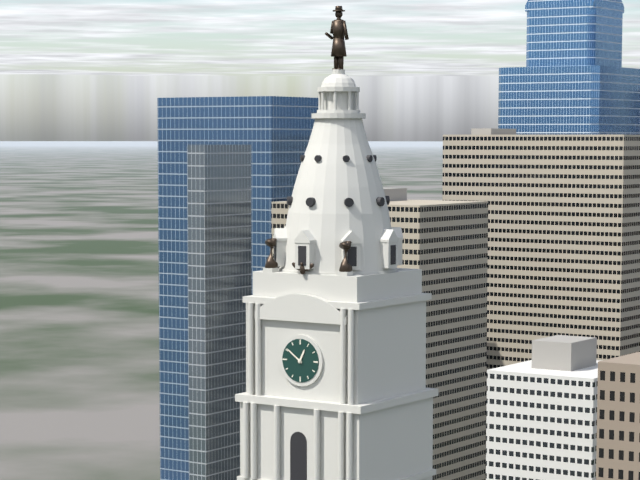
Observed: 12.51
